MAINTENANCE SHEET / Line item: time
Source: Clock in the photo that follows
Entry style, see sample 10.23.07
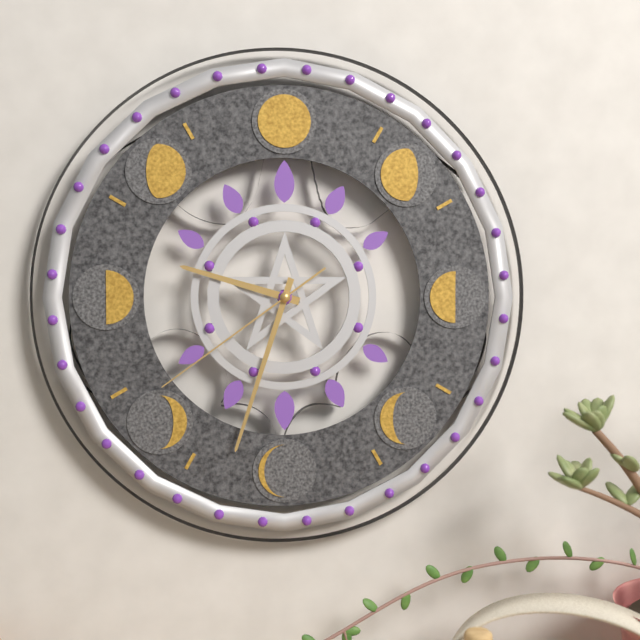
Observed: 9.33.39
